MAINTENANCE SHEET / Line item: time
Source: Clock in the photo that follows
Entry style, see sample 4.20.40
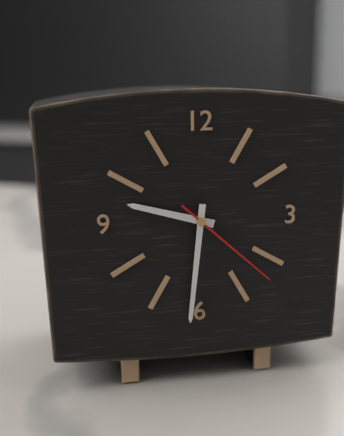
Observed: 9.31.22
